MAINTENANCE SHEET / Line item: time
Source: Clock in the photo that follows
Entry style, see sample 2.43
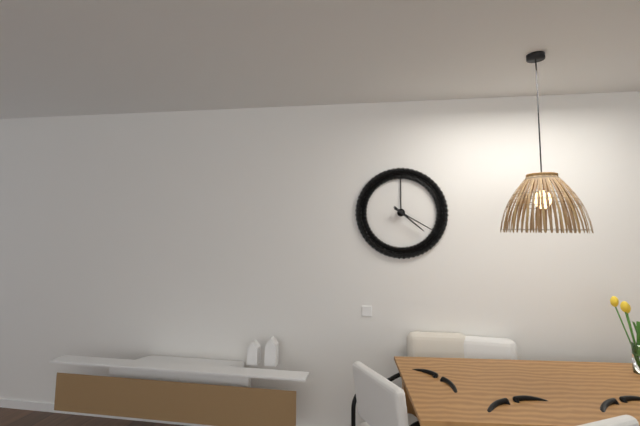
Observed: 4.20
